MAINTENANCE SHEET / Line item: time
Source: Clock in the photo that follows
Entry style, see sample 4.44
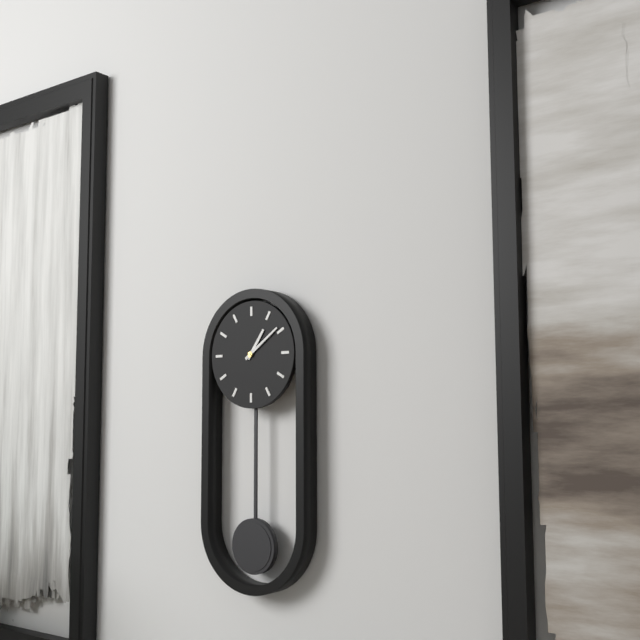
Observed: 1.09
